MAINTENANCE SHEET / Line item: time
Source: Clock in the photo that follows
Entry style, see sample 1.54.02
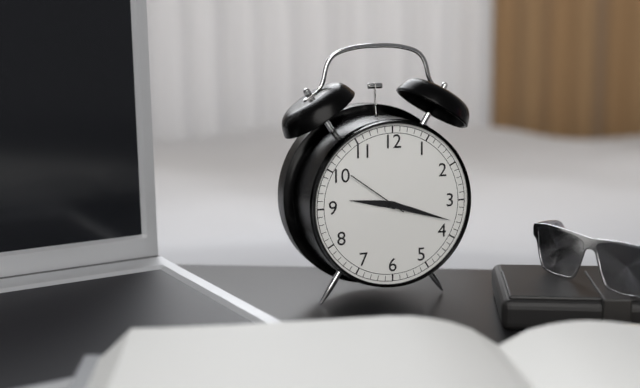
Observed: 9.18.51
